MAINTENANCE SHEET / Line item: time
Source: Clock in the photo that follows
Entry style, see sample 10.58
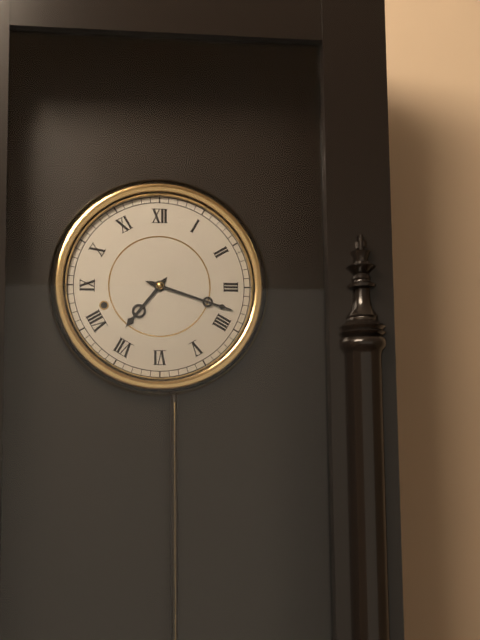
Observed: 7.18
